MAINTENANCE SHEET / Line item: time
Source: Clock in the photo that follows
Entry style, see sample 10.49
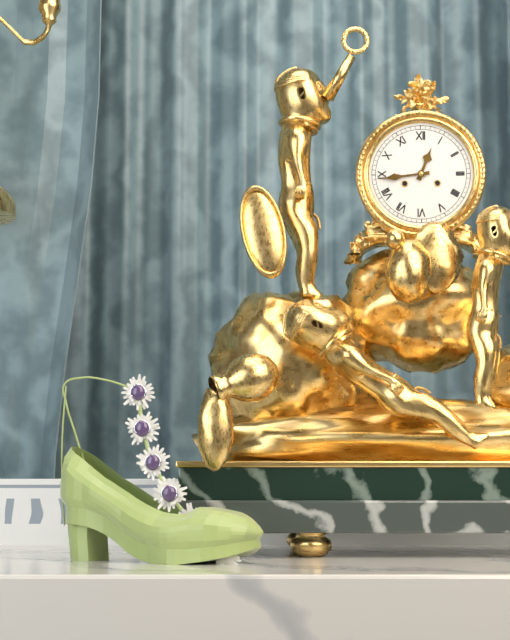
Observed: 12.44
